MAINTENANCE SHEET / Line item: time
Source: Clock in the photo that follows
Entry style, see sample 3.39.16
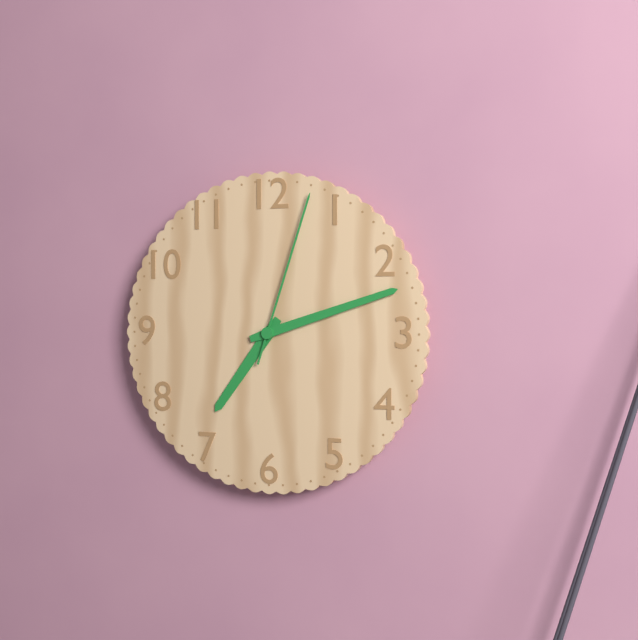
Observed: 7.12.03
